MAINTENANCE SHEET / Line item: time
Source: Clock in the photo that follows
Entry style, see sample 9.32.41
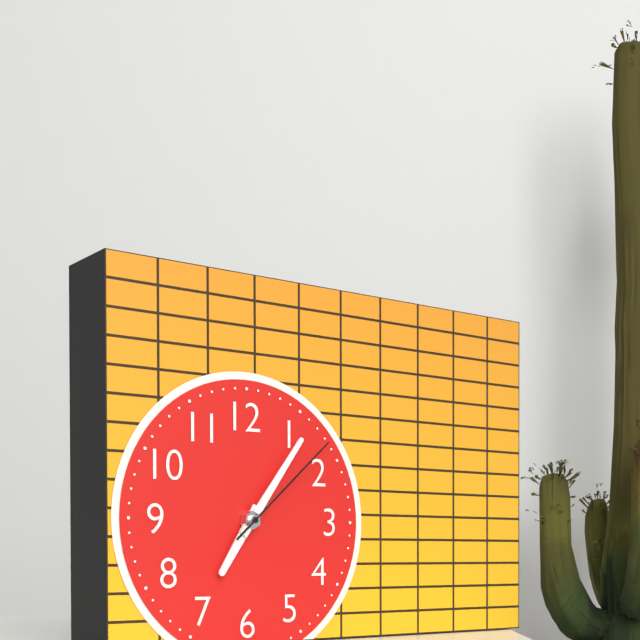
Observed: 7.06.08
